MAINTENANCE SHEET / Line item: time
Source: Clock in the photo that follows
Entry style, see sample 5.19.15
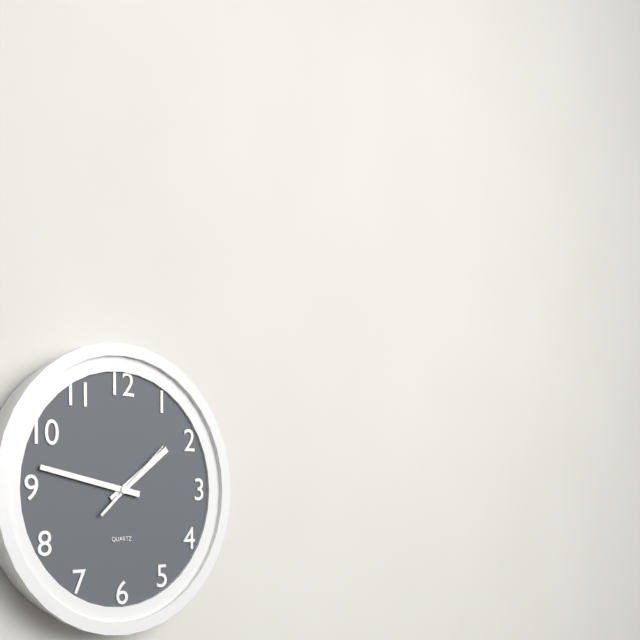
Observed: 1.47.08
